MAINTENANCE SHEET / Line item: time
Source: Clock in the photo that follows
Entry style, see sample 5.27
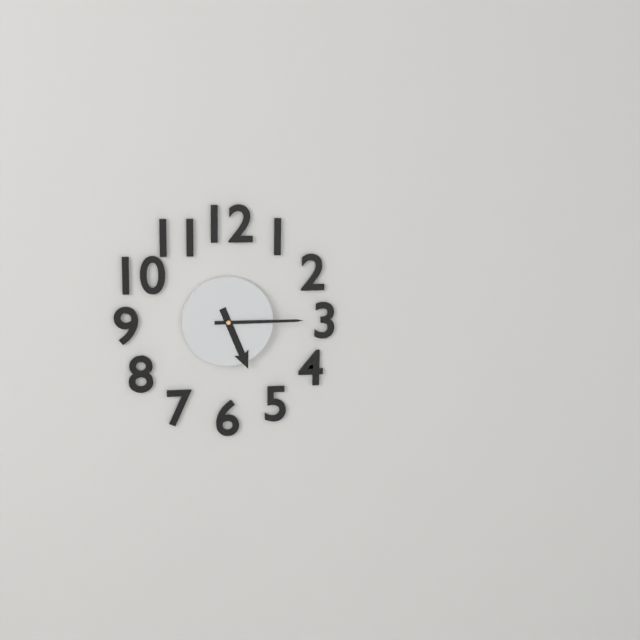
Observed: 5.15
